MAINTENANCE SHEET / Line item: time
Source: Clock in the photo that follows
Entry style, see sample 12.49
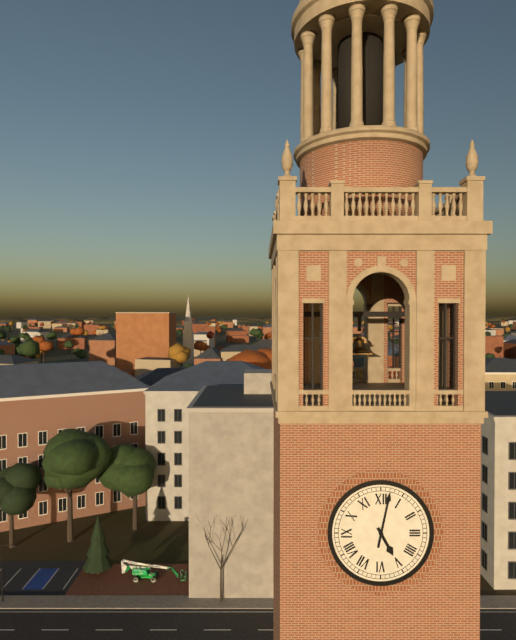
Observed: 5.02
